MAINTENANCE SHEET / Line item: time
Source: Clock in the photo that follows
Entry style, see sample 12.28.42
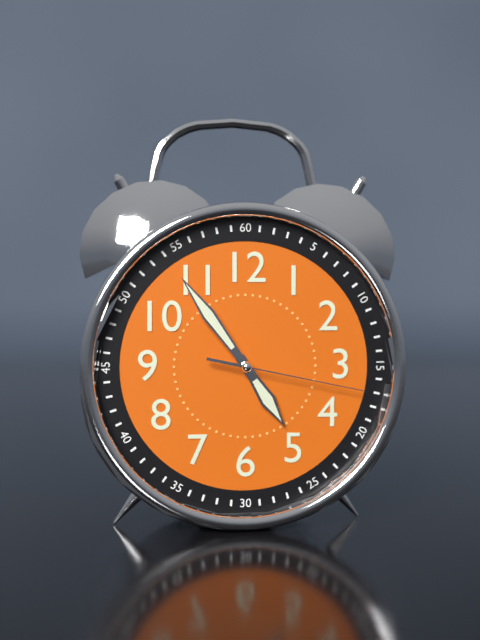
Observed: 4.54.17
